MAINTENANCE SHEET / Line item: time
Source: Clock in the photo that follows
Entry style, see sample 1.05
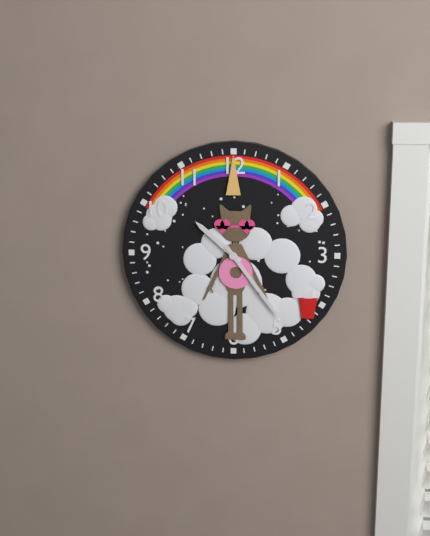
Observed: 10.24
